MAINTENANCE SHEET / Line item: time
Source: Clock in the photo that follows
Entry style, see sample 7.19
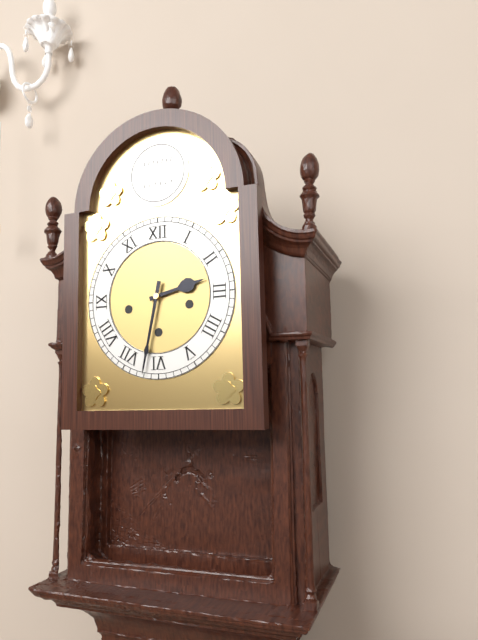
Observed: 2.32
